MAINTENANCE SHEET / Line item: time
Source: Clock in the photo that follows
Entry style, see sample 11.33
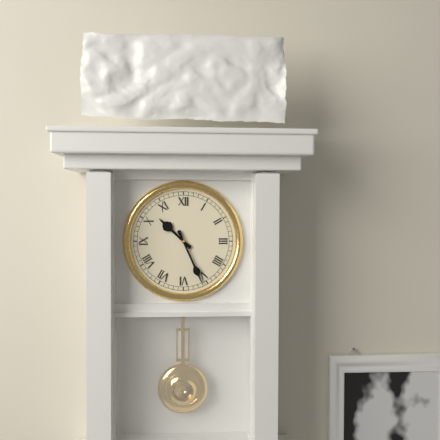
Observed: 10.26
